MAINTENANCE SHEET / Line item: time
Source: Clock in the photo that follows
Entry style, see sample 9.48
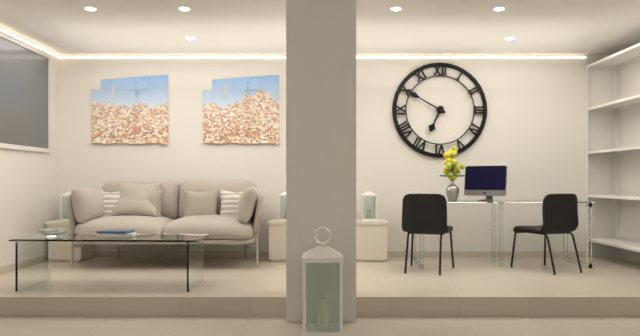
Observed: 6.50
